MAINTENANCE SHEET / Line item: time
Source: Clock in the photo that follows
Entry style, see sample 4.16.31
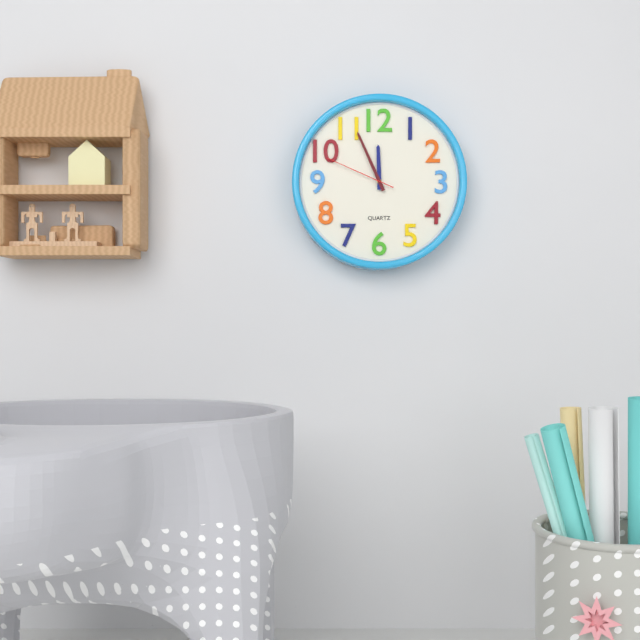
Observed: 11.56.49
